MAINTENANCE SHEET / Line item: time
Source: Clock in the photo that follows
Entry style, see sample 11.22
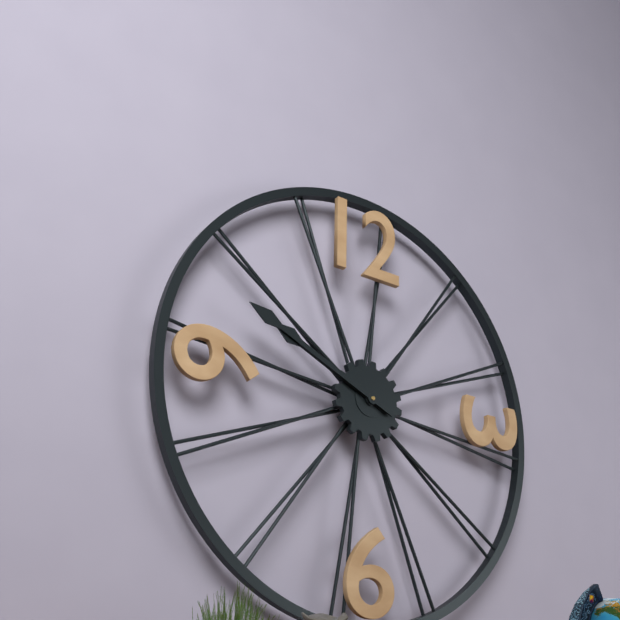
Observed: 9.49
